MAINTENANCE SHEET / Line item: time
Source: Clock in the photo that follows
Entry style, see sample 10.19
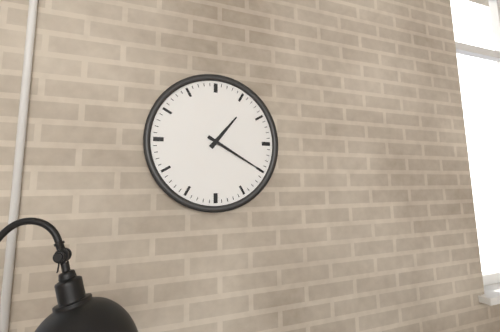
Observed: 1.20
